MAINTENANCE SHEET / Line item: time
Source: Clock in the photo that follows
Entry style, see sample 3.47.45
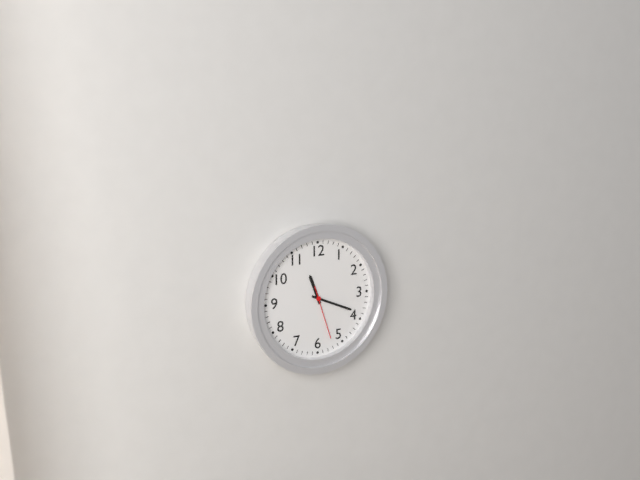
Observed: 11.19.27
